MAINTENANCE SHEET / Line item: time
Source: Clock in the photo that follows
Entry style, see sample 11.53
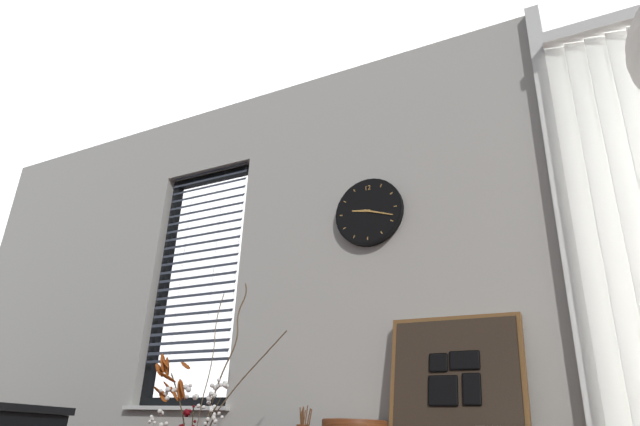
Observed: 9.18
